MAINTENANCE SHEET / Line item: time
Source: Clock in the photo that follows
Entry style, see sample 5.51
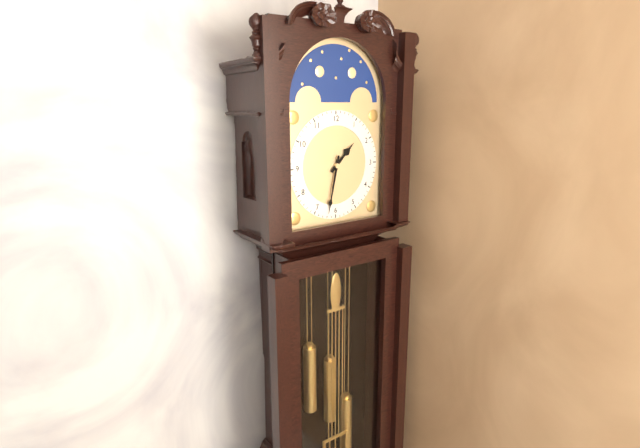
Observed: 1.32
